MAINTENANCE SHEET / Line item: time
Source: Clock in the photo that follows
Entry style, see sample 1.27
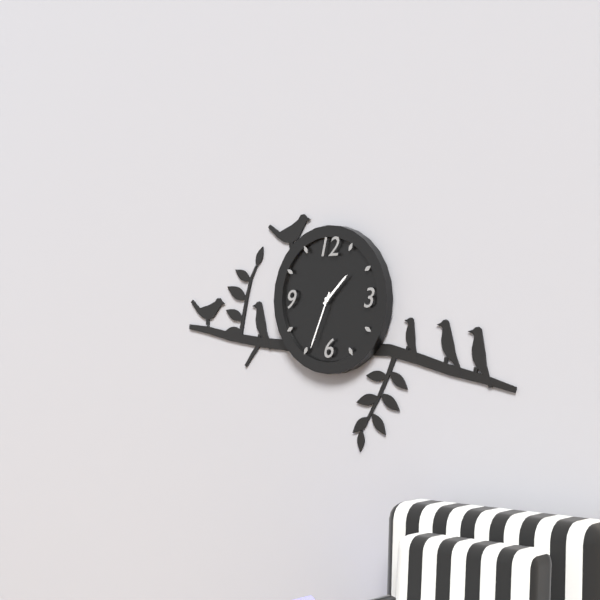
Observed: 1.34
